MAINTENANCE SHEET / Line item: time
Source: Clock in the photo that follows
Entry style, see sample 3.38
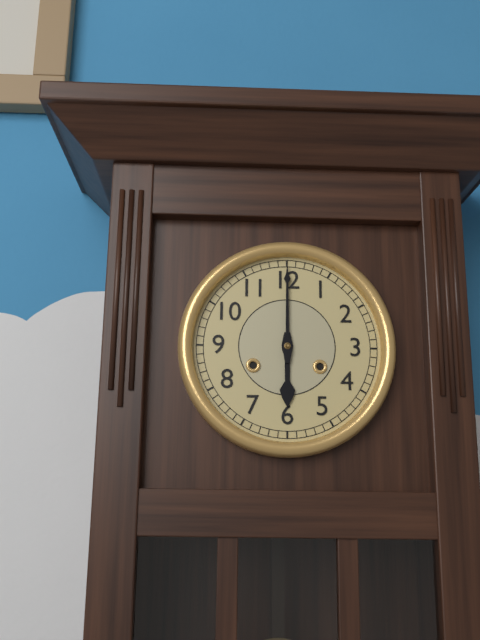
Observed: 6.00
